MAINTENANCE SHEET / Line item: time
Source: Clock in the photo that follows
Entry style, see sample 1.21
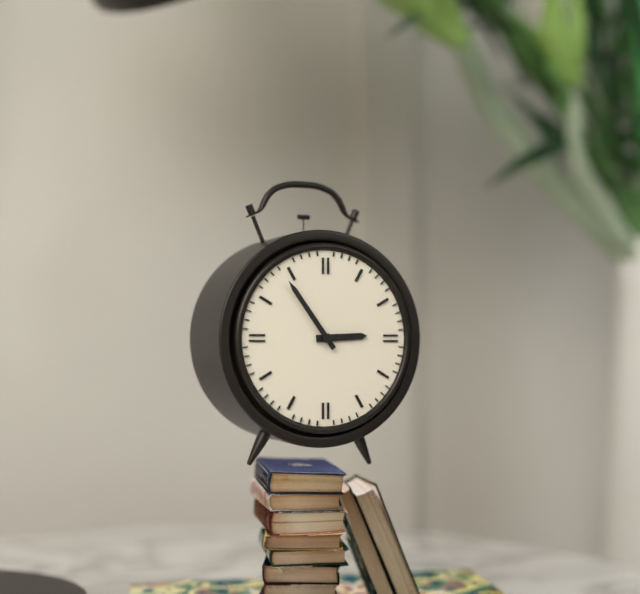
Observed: 2.54
